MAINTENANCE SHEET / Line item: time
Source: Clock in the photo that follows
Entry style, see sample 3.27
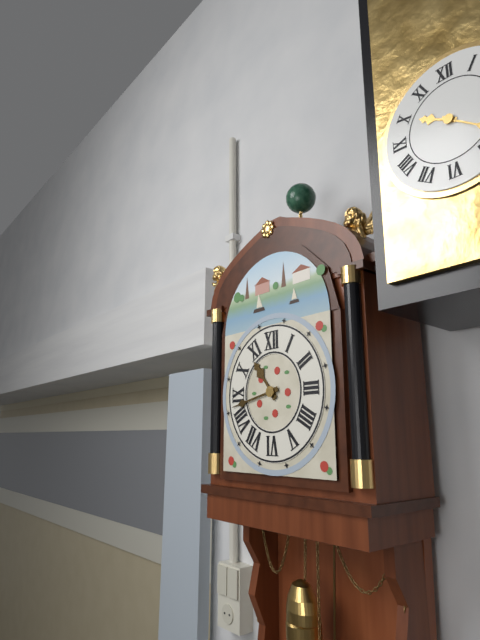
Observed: 10.43
